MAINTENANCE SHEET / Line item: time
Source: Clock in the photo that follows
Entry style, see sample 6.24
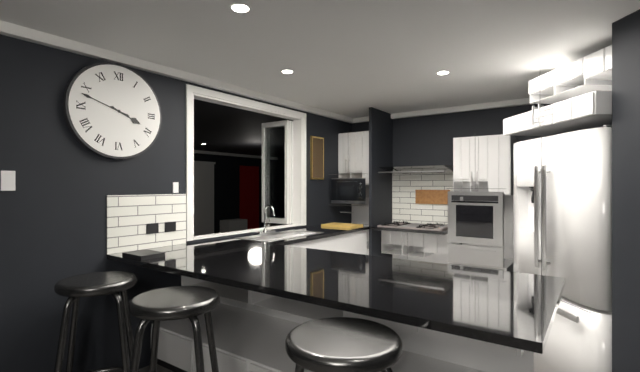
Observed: 3.48
